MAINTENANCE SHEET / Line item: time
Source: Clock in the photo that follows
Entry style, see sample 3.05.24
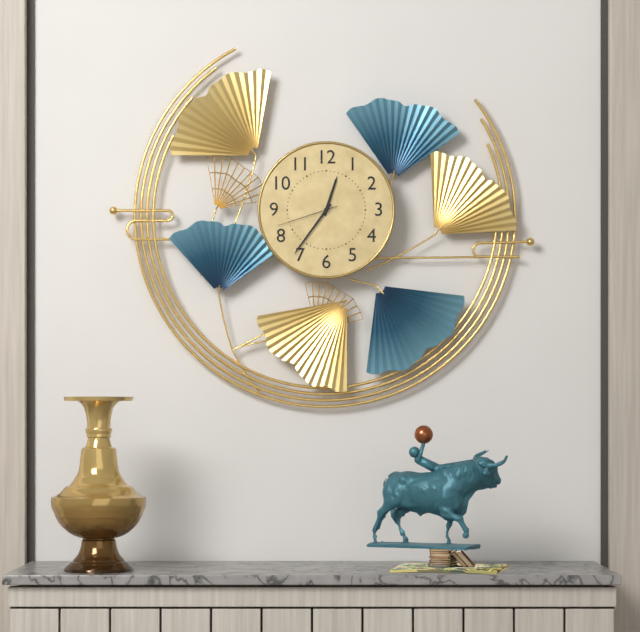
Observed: 12.36.42
